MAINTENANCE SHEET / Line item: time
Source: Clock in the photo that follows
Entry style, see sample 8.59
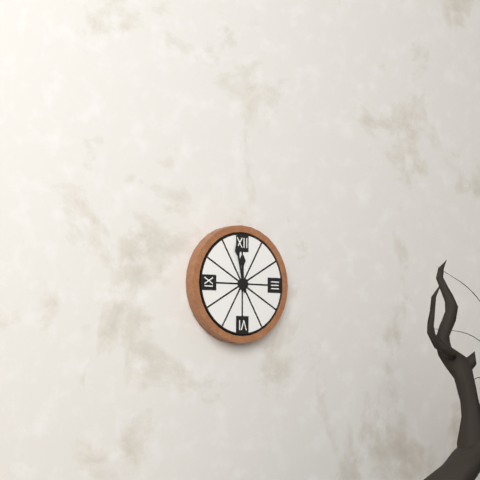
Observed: 11.58
